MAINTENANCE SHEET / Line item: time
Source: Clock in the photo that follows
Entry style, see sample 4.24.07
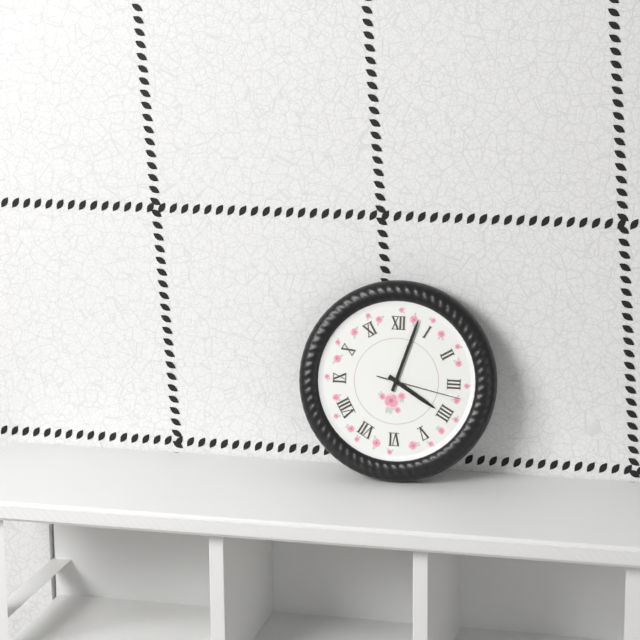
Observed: 4.03.17
